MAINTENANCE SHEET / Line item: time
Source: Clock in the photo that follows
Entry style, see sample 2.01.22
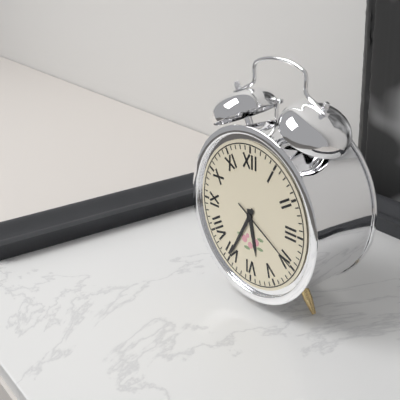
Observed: 5.35.20
